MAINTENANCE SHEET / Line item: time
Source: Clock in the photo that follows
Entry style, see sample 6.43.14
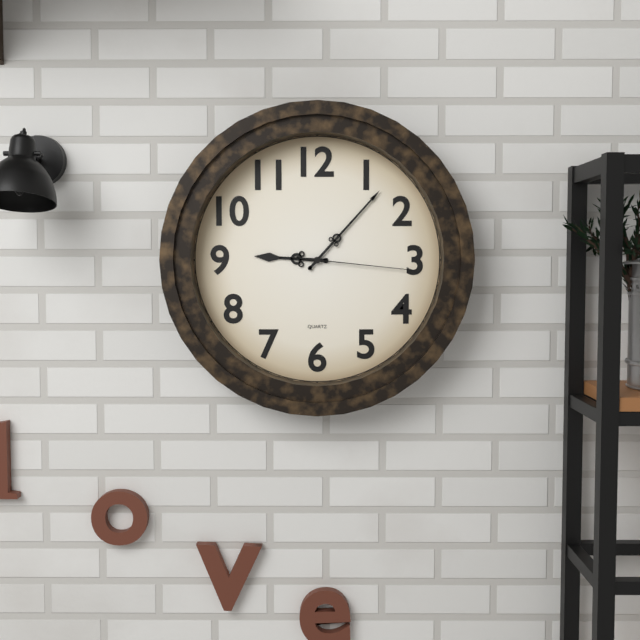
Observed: 9.07.16
